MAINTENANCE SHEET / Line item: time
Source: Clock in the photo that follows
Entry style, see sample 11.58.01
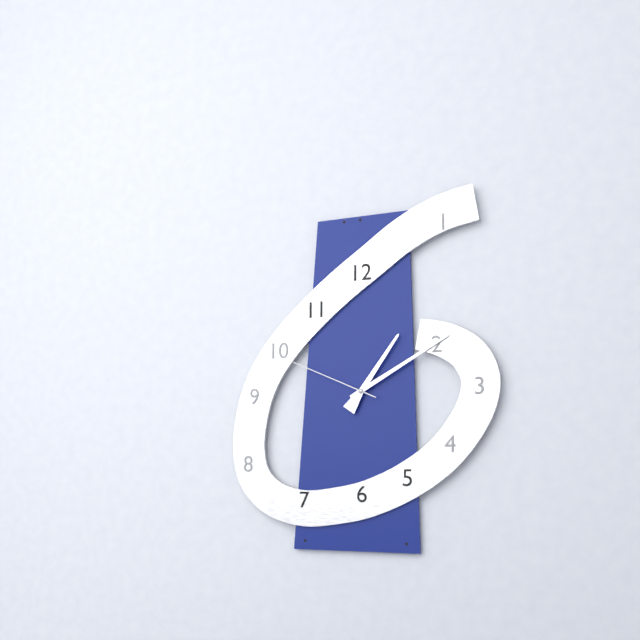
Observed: 1.10.49
